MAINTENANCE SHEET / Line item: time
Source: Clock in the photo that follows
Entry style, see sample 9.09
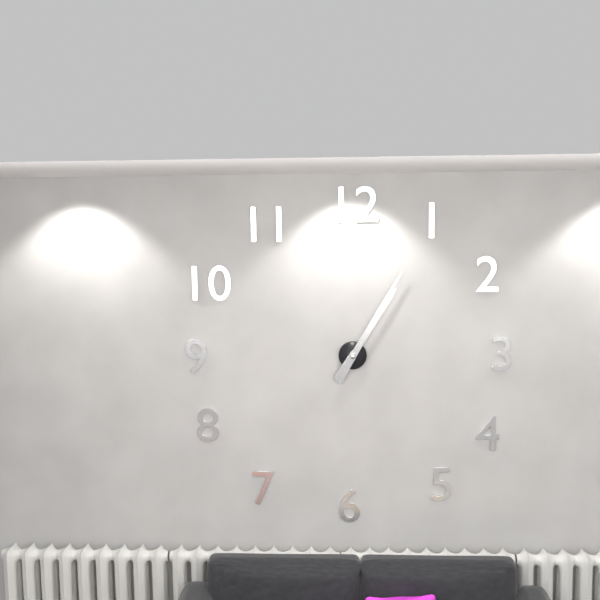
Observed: 1.05
